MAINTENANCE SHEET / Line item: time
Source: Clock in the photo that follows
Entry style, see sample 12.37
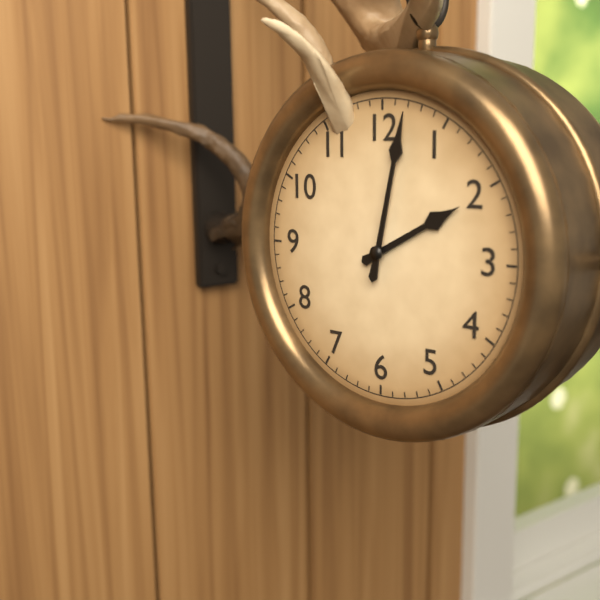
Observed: 2.02
